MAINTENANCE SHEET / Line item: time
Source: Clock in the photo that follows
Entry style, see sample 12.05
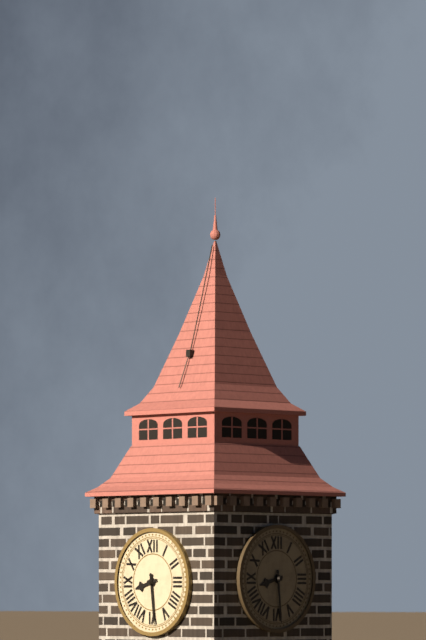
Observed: 8.29
